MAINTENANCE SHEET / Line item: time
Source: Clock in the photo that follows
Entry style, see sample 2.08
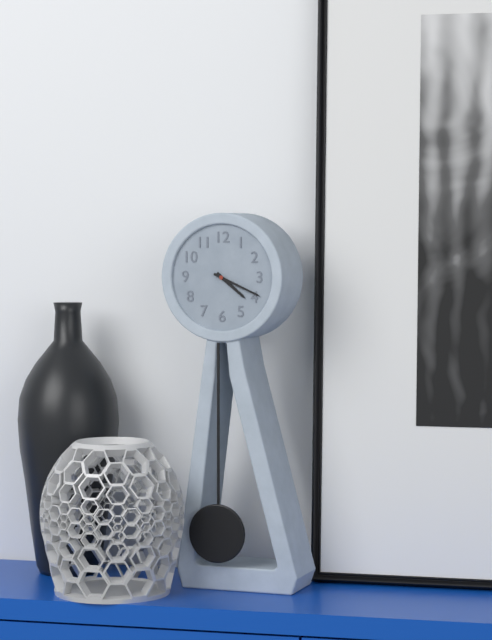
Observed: 4.19
